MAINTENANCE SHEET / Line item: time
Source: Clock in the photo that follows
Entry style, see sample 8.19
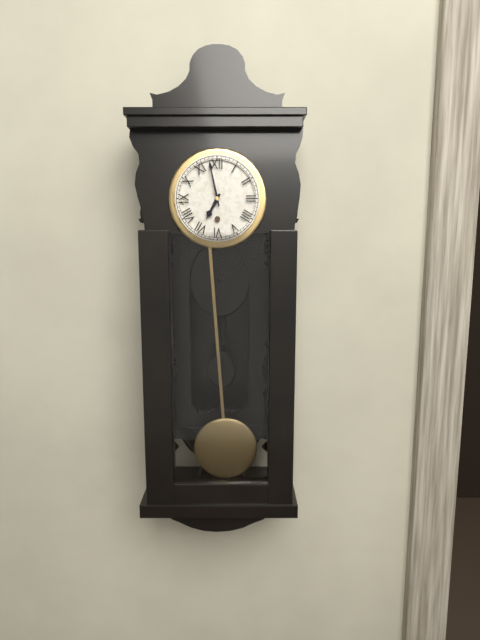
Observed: 6.58
